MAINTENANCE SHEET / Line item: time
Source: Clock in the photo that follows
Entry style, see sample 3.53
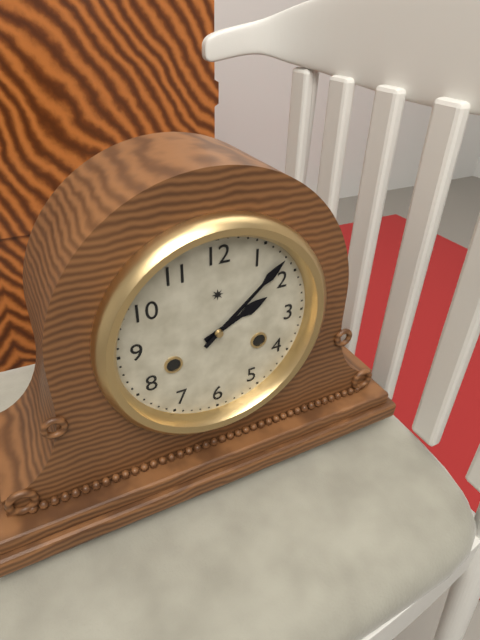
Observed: 2.08
